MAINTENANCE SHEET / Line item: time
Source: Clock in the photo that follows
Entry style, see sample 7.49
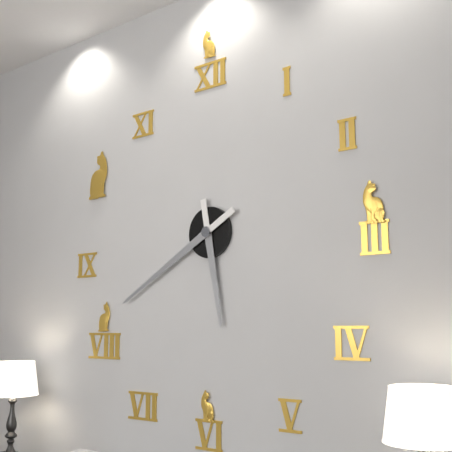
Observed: 5.40
